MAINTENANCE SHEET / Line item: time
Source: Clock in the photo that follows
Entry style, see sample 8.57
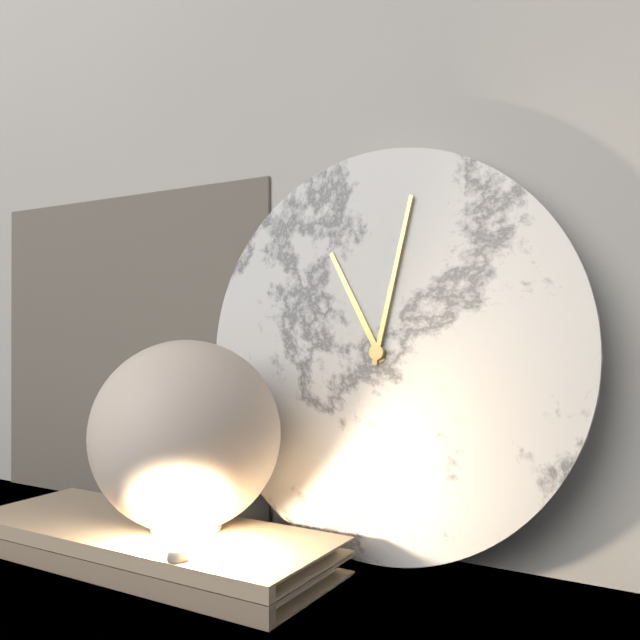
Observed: 11.02
